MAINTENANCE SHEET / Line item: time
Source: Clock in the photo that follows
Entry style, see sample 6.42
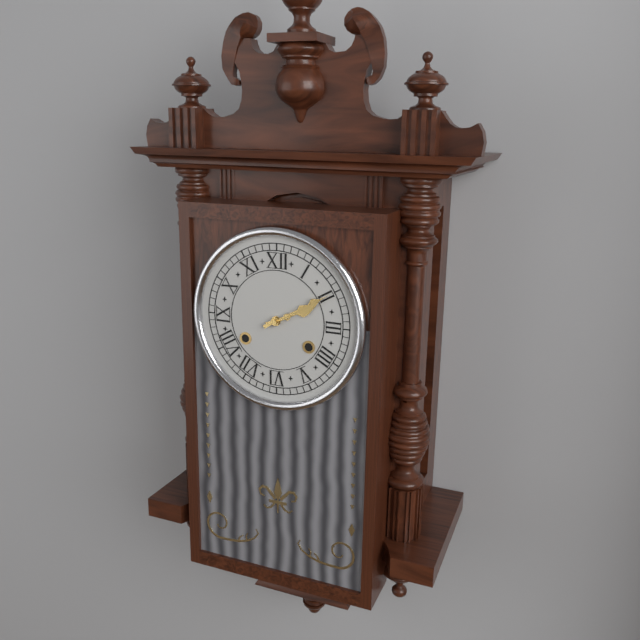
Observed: 2.10
